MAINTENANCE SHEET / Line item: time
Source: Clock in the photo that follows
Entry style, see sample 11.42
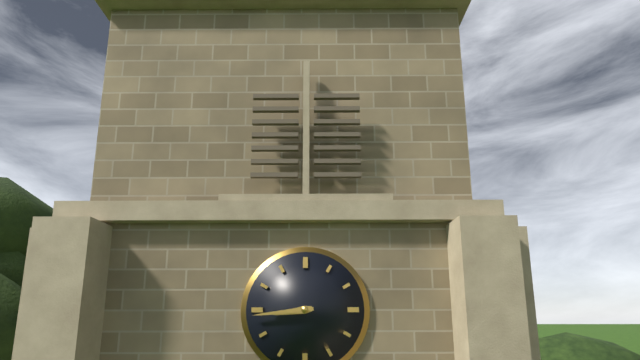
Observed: 8.44
